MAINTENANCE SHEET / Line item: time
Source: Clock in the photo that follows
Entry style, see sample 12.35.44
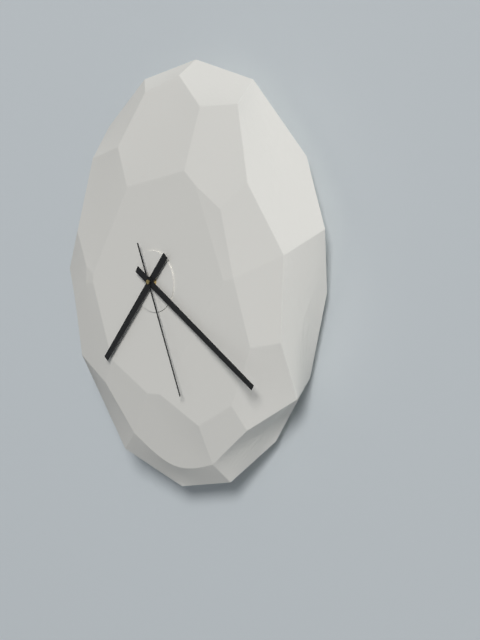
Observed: 7.20.26
